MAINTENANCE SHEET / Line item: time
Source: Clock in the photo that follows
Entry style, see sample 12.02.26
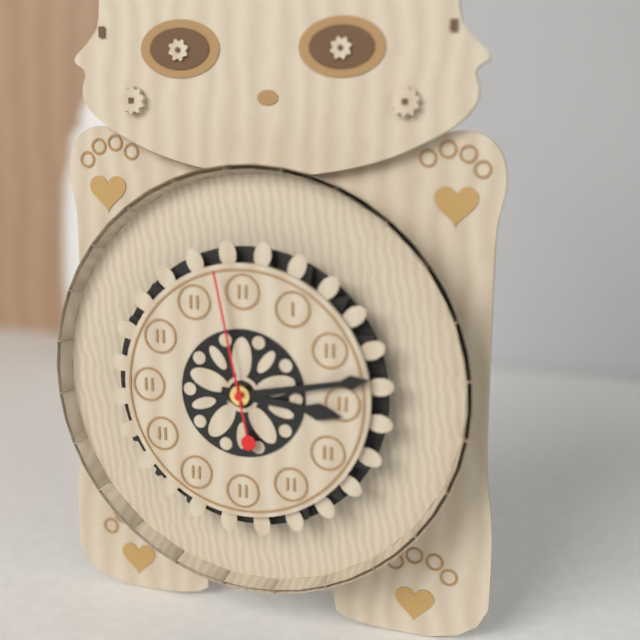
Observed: 3.13.58
